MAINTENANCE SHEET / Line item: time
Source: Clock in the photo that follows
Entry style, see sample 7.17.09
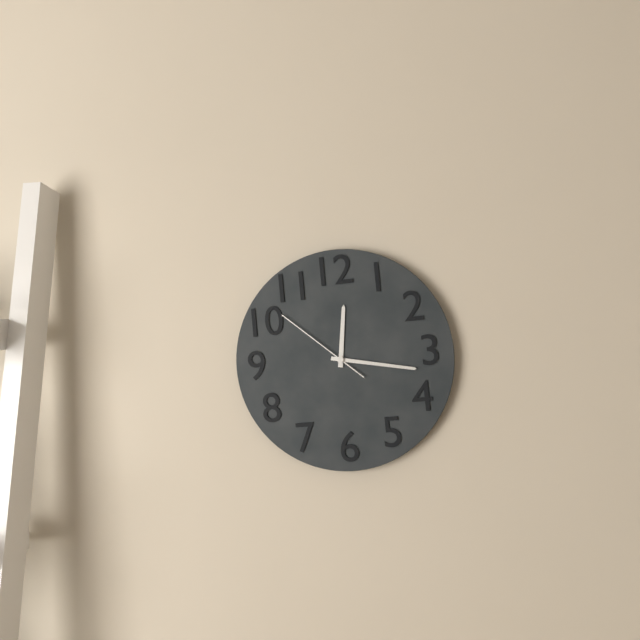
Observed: 12.17.52
